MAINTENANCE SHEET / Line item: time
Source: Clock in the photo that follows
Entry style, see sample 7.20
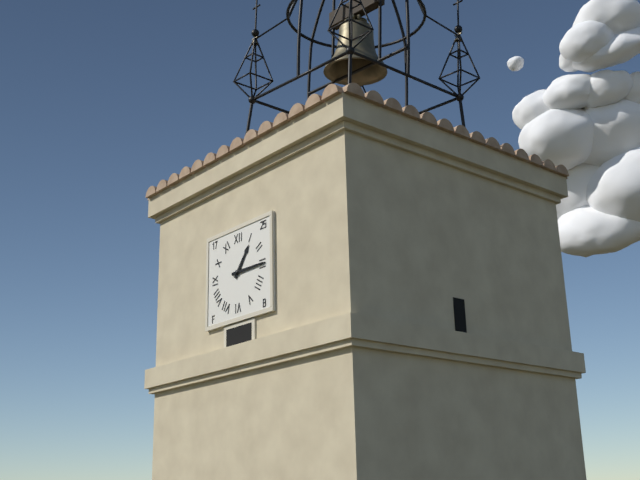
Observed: 1.15
